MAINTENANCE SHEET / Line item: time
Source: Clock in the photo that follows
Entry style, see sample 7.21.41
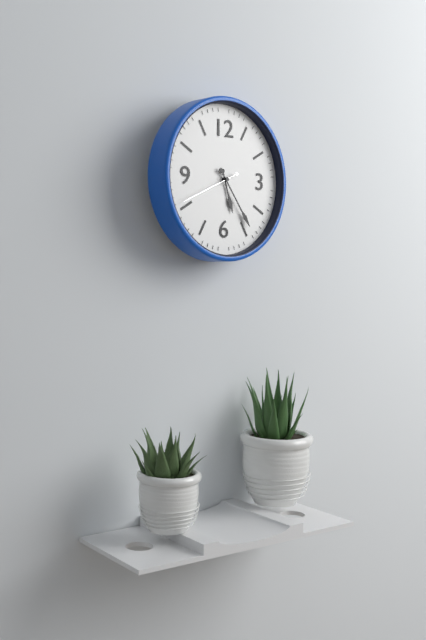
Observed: 5.24.41
